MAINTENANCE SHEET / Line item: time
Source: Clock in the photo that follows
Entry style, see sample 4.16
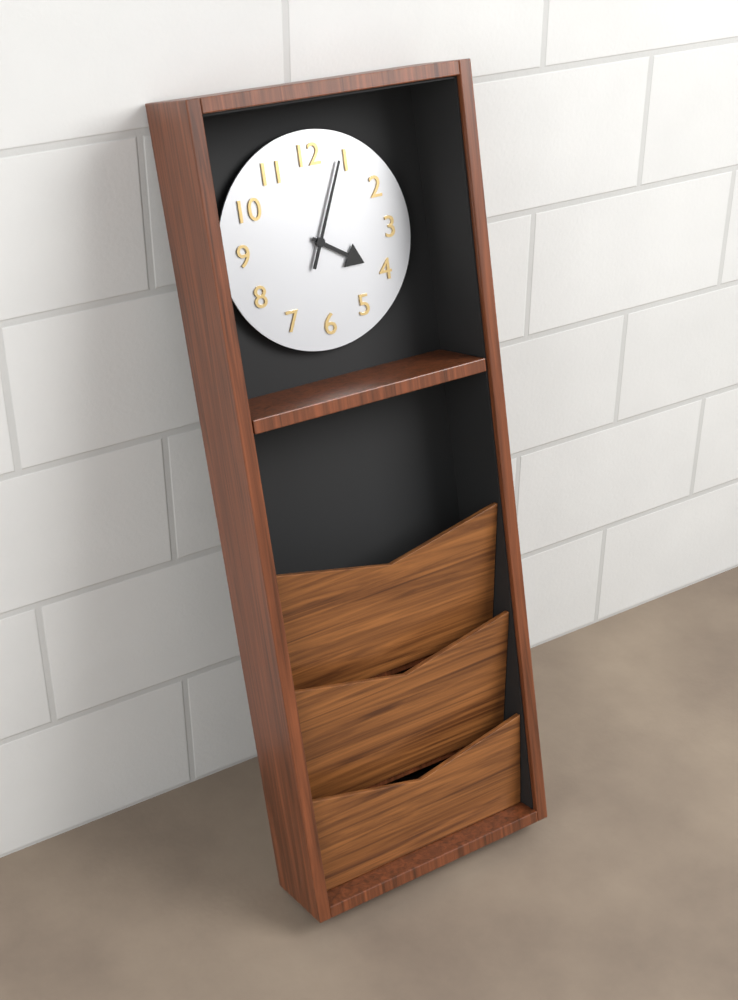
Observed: 4.04
